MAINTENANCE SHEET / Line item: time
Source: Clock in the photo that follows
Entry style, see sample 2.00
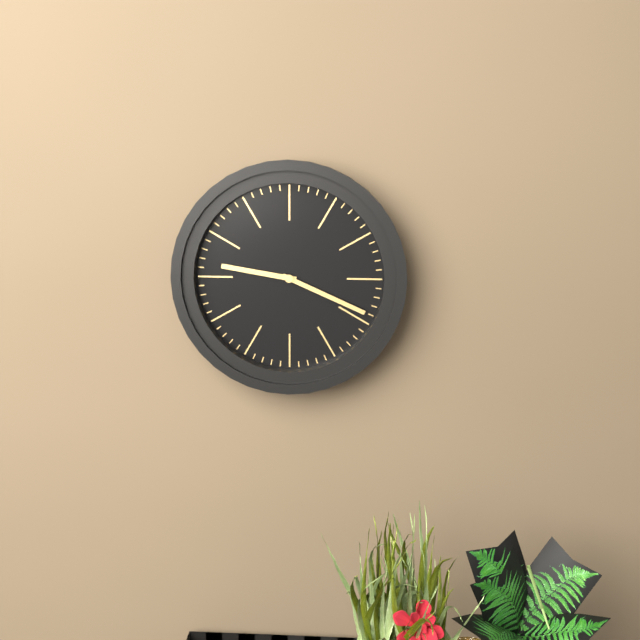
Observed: 9.19
